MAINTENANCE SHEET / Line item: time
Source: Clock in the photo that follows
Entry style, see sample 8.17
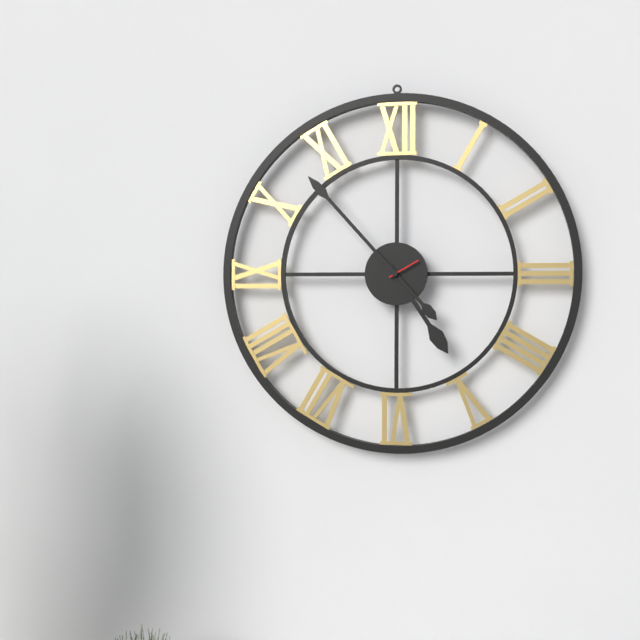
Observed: 4.53
